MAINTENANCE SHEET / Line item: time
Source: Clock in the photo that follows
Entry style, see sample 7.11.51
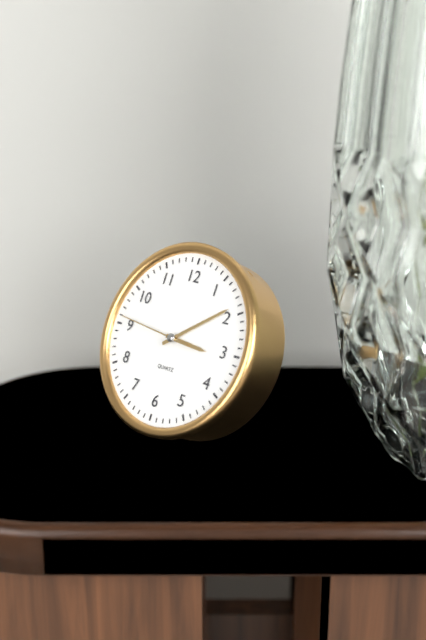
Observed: 3.09.46
